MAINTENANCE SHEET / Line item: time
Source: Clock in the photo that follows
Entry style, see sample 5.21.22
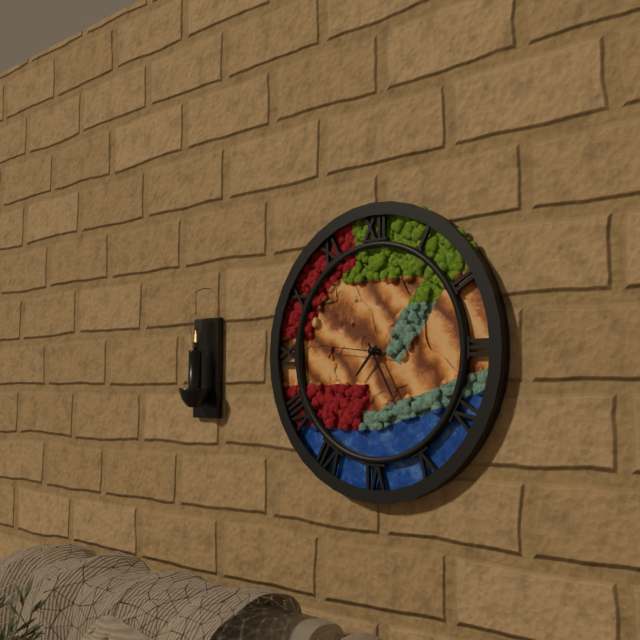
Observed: 7.25.46
